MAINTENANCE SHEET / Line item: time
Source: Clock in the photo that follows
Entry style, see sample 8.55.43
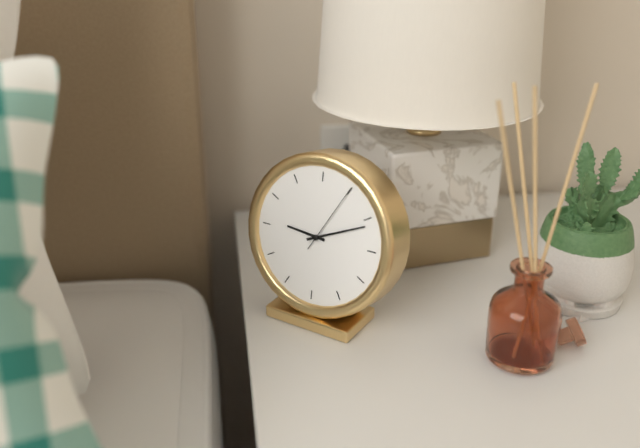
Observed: 9.11.05
